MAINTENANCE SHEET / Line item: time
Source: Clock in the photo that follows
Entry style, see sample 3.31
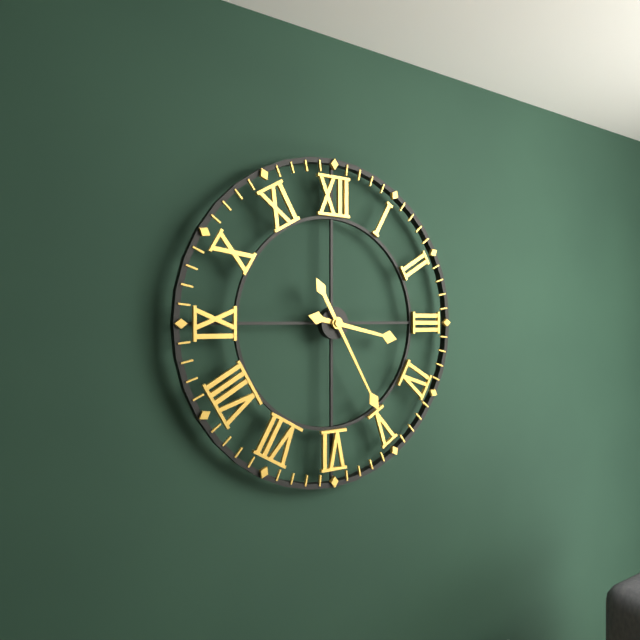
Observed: 3.25
